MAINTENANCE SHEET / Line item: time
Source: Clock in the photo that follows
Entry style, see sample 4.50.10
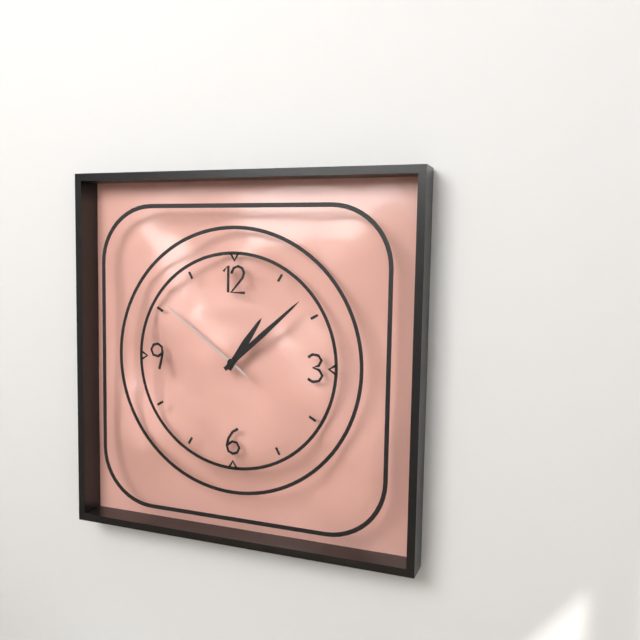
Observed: 1.08.51
